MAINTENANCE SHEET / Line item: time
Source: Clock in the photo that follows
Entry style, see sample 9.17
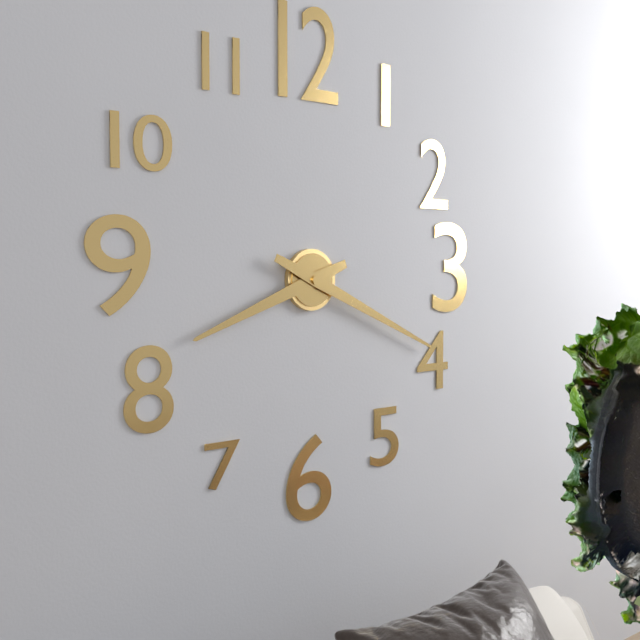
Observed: 8.19
